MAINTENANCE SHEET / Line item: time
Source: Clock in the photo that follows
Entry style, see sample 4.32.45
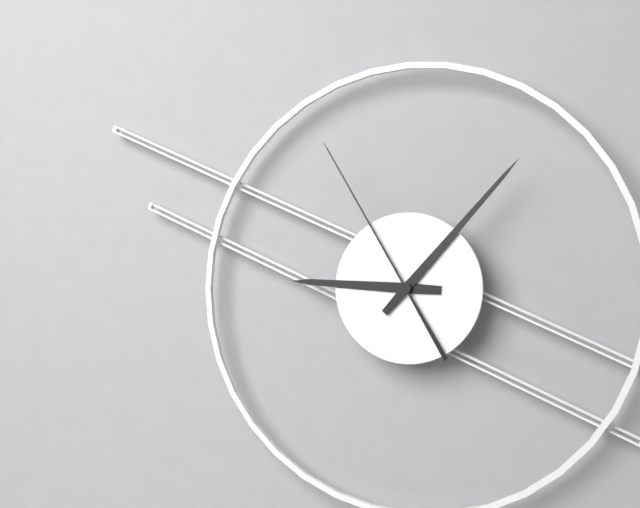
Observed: 9.07.55
